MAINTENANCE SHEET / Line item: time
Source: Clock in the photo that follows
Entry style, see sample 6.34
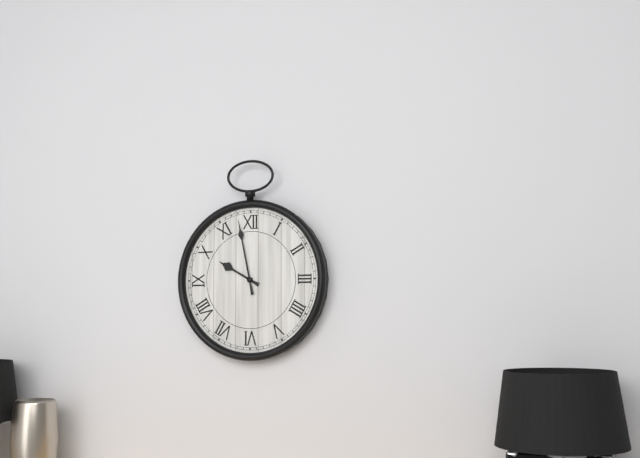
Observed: 9.58
